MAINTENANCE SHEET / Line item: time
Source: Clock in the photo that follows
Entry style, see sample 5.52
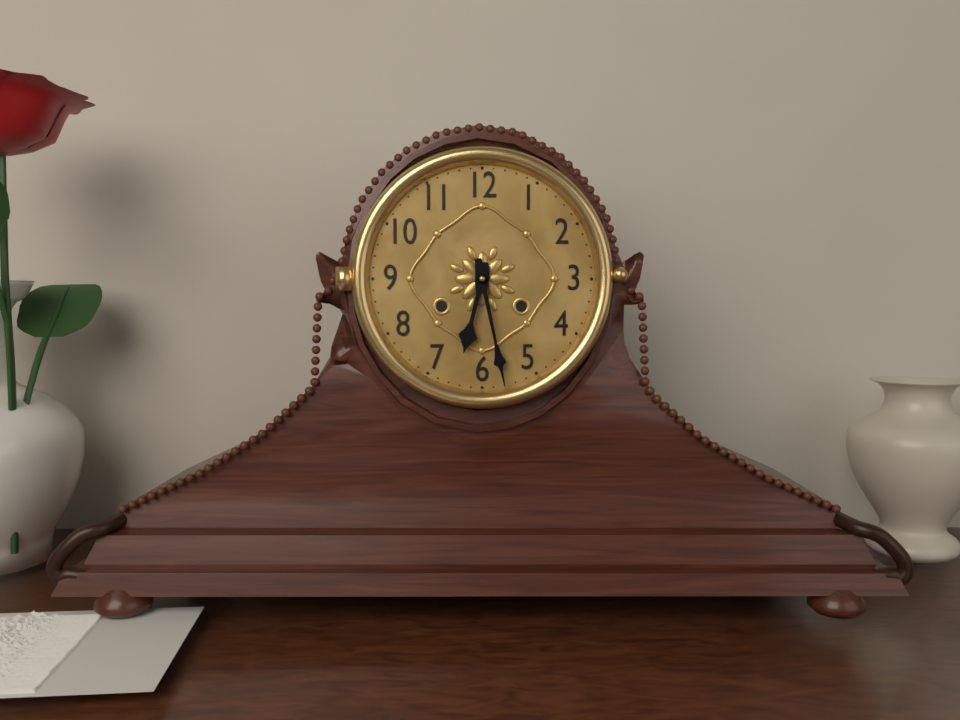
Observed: 6.28
